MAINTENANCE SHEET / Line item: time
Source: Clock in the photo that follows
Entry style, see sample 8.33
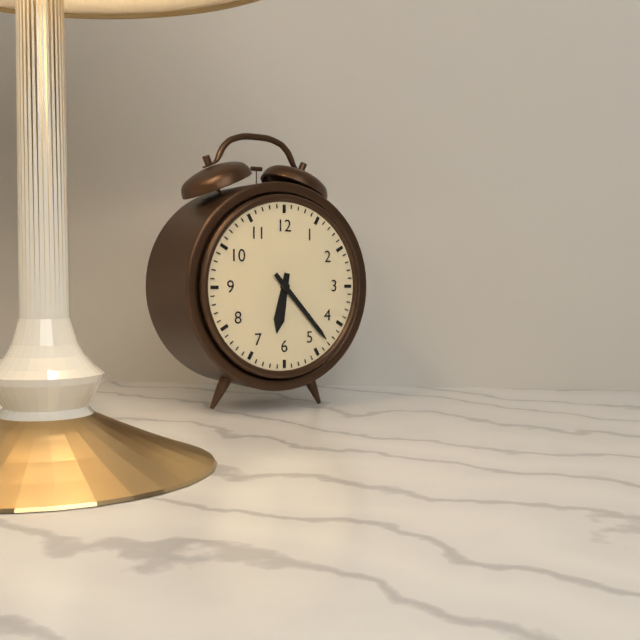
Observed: 6.23
